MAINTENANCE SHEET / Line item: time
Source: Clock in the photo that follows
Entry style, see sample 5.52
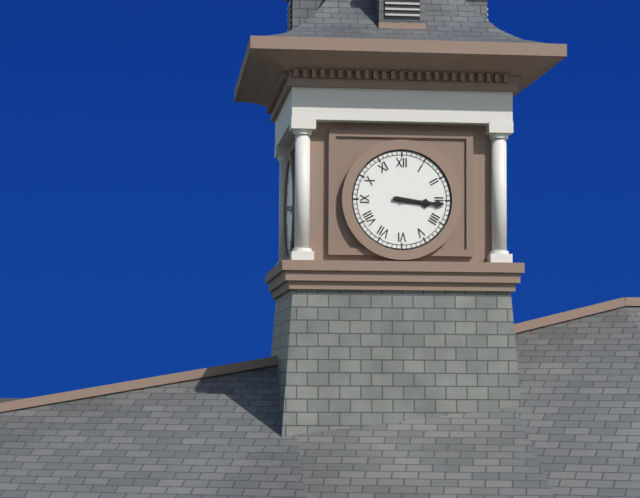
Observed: 3.16
